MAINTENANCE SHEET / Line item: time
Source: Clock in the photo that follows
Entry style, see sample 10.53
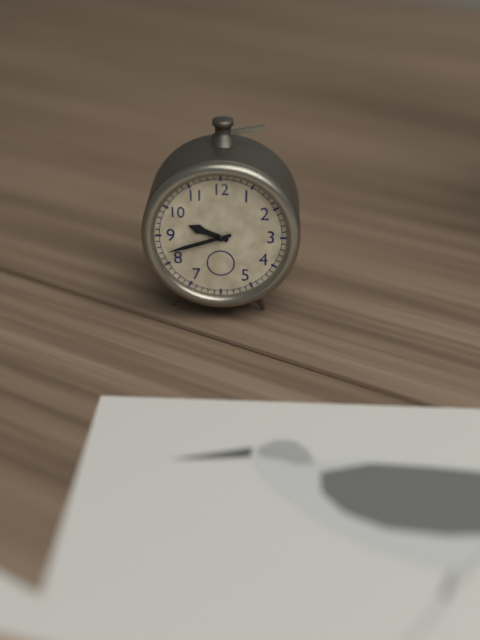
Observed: 9.42
